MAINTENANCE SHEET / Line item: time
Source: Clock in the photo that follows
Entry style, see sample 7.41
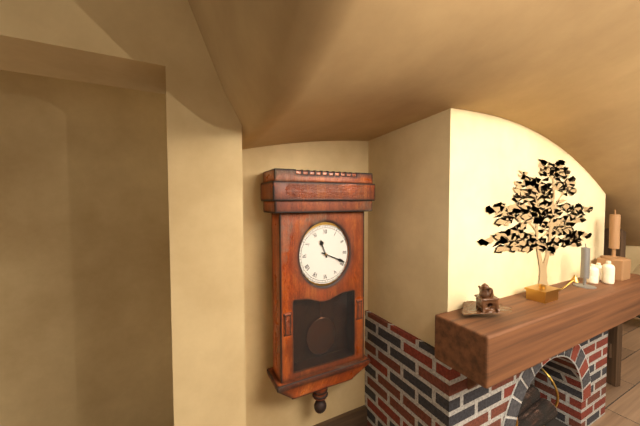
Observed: 11.19
